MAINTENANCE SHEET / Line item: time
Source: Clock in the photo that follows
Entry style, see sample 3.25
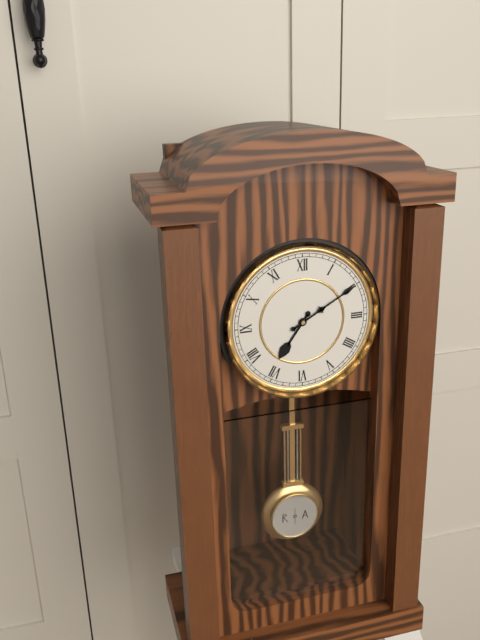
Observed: 7.10
